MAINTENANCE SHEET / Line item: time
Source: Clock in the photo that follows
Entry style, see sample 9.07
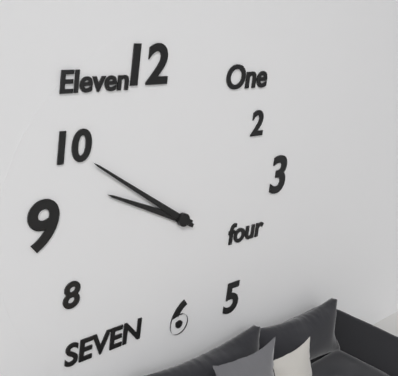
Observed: 9.51
